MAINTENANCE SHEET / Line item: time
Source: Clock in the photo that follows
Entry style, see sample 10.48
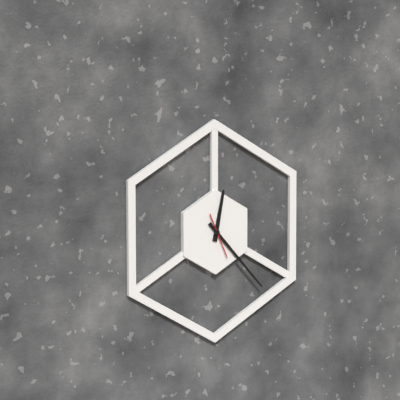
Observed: 12.23
